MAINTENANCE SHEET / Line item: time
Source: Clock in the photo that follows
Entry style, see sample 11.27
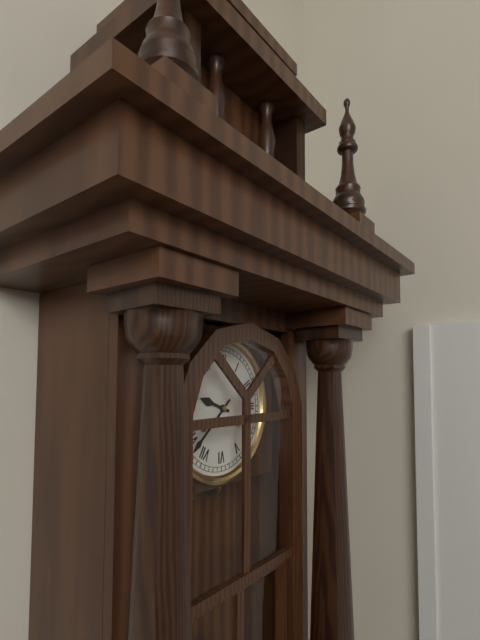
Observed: 9.38
